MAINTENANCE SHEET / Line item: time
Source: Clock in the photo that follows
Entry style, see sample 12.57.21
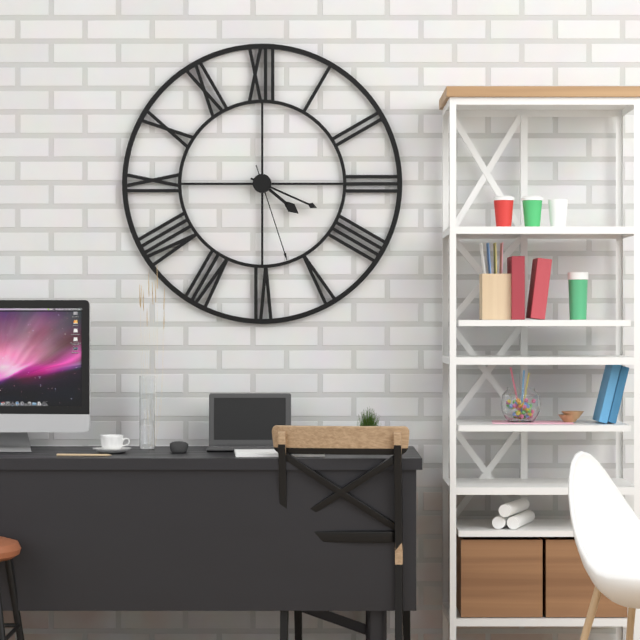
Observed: 4.19.27
